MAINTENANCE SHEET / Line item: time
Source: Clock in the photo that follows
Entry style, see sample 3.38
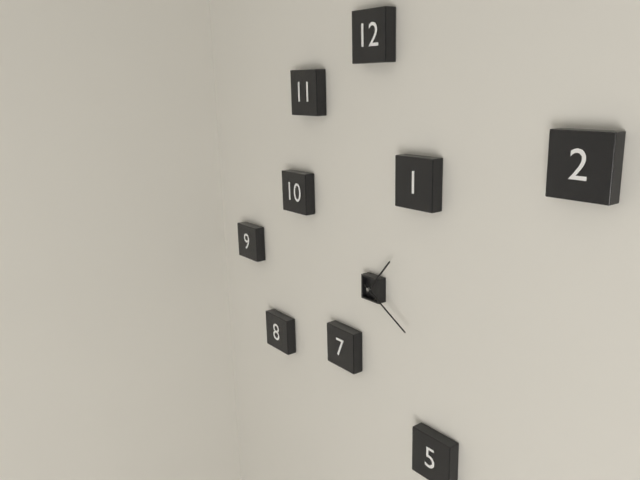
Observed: 1.20
